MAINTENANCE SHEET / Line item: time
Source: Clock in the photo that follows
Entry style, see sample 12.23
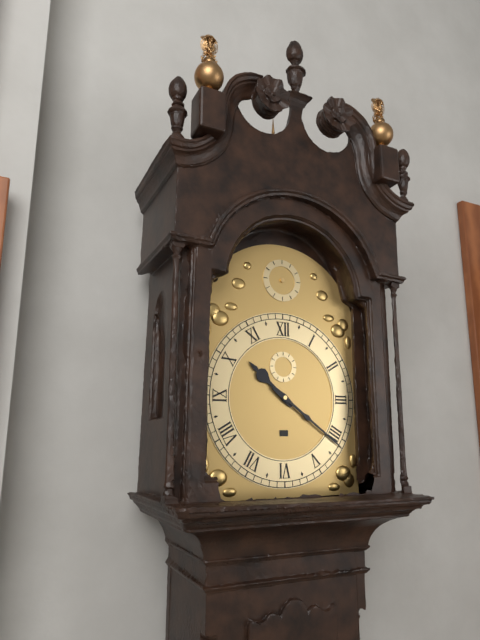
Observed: 10.21
